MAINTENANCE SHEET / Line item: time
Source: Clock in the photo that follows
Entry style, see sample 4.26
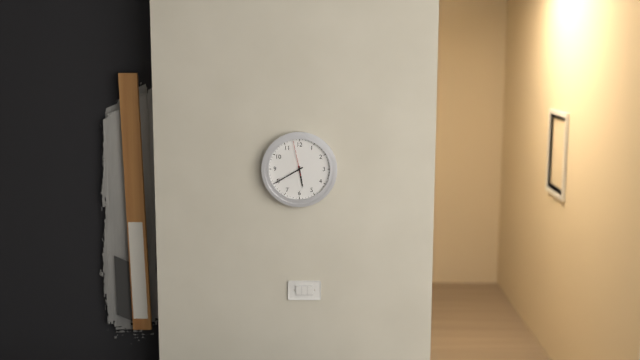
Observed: 5.40
